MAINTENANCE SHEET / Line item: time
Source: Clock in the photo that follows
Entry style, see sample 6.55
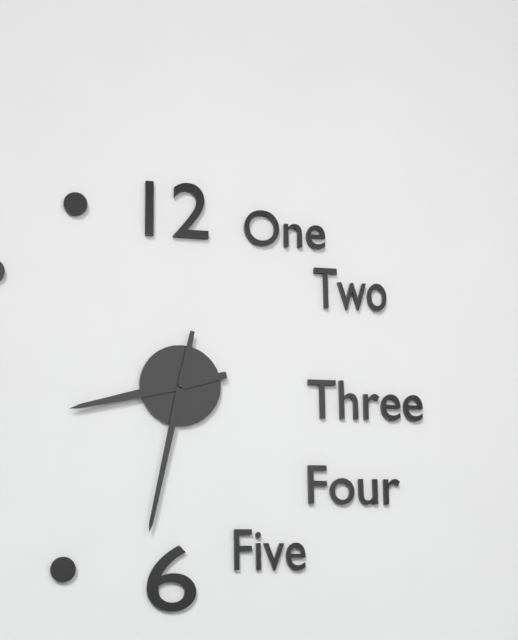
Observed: 8.32
